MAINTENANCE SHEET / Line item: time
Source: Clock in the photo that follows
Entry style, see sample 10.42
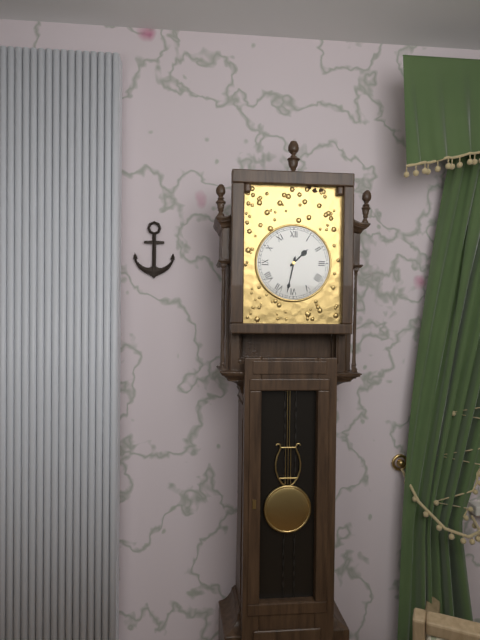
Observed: 1.32
